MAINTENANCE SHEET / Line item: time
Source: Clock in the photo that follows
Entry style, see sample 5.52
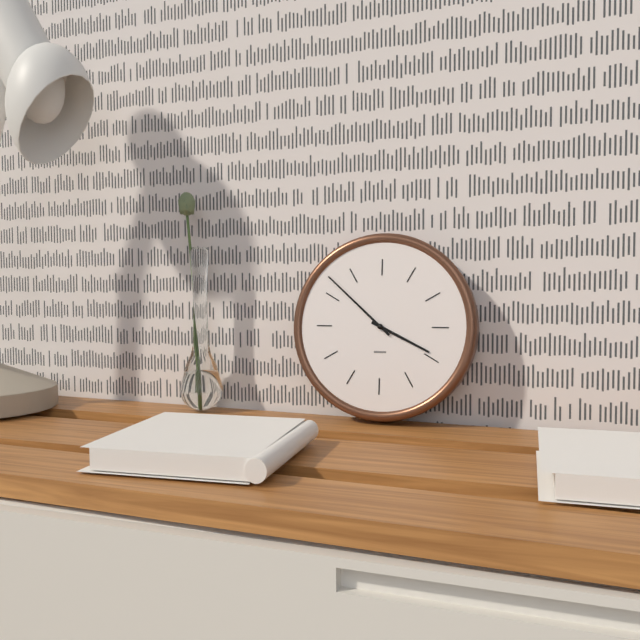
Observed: 3.52
